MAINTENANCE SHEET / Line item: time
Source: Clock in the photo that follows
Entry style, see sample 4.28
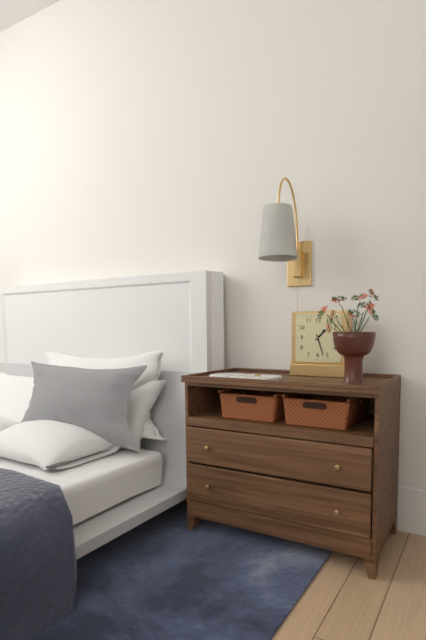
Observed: 1.27
